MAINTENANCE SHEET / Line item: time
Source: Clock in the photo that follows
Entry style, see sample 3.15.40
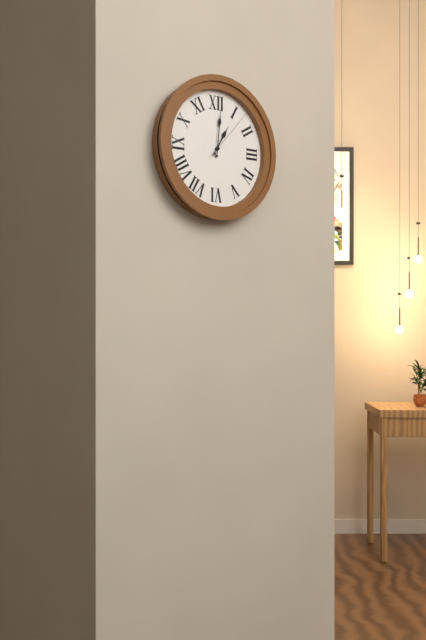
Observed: 1.01.07
